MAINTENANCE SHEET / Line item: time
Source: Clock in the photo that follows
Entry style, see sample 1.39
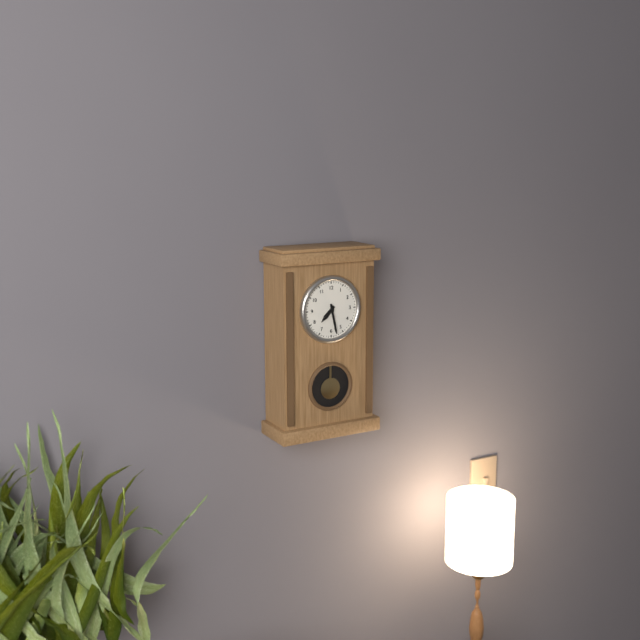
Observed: 7.28
